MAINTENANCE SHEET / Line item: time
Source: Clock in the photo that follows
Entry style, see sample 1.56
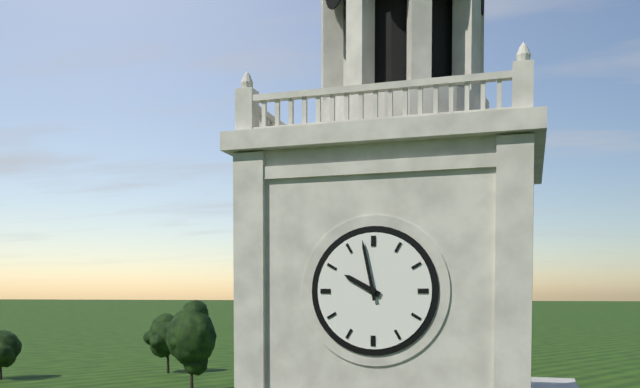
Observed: 9.58
